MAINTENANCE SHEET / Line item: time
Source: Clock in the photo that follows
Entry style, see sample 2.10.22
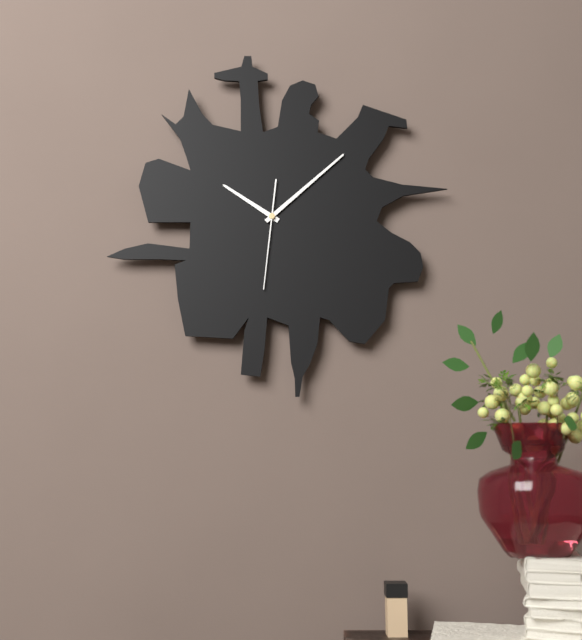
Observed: 10.08.31
